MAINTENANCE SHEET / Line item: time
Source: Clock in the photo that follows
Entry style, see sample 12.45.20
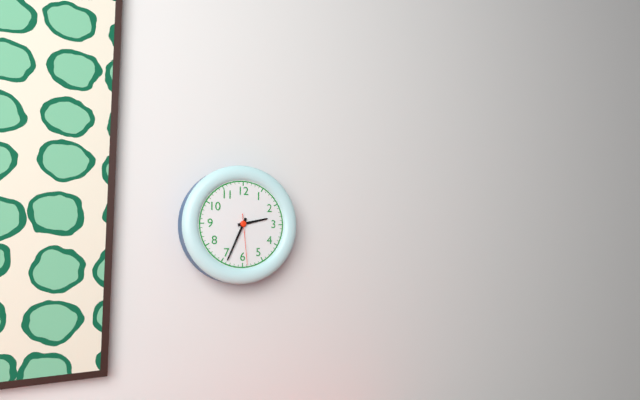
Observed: 2.34.29
